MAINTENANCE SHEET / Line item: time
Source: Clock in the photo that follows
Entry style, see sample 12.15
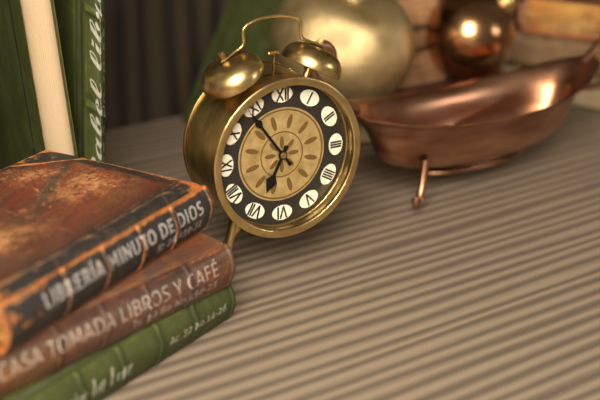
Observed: 6.54
